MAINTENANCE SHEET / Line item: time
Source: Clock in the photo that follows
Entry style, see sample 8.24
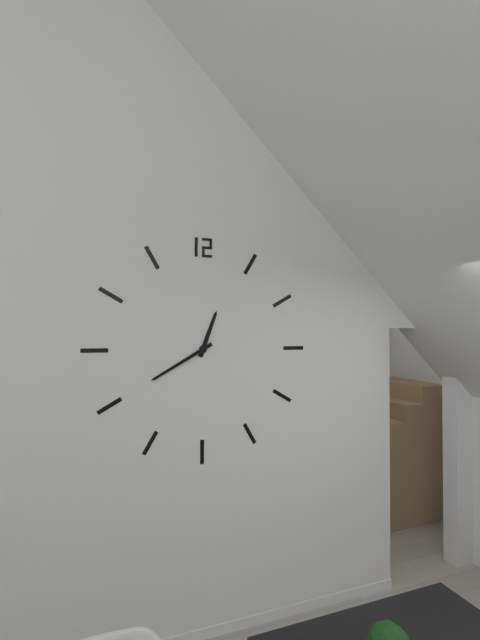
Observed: 12.40
